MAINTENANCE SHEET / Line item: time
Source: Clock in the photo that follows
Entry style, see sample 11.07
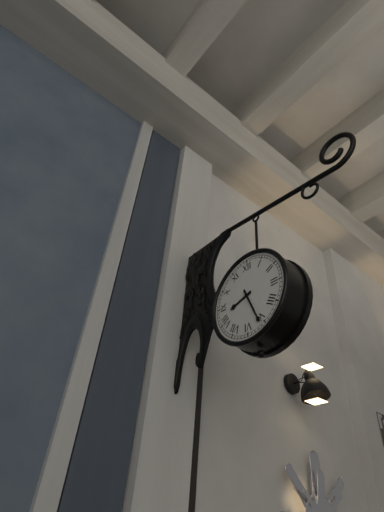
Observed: 8.26
